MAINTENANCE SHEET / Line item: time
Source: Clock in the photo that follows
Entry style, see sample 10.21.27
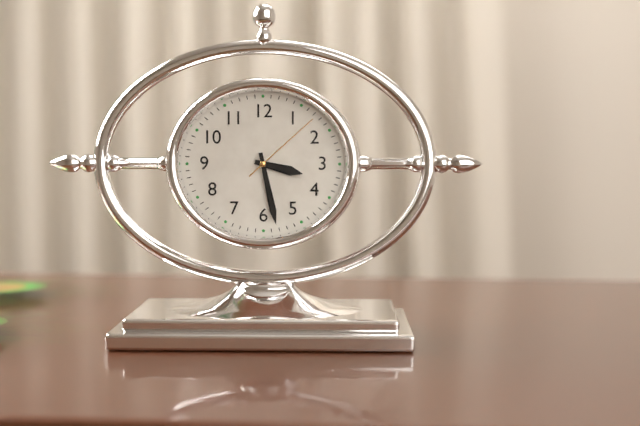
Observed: 3.28.08
